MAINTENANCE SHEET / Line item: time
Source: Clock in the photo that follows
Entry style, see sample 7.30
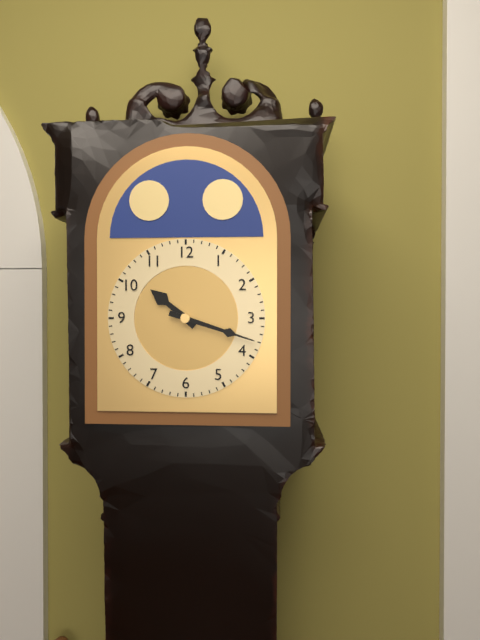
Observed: 10.18
